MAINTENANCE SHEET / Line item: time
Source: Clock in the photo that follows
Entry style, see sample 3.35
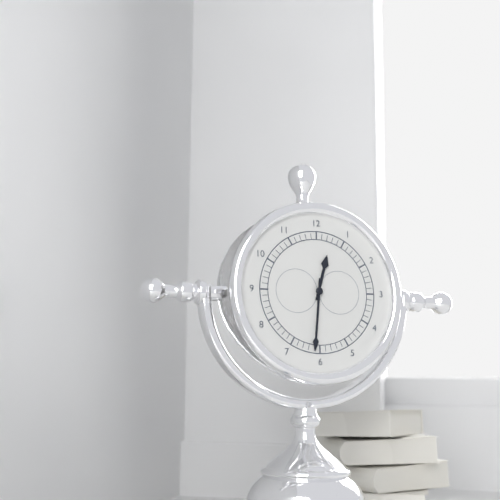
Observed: 12.31
